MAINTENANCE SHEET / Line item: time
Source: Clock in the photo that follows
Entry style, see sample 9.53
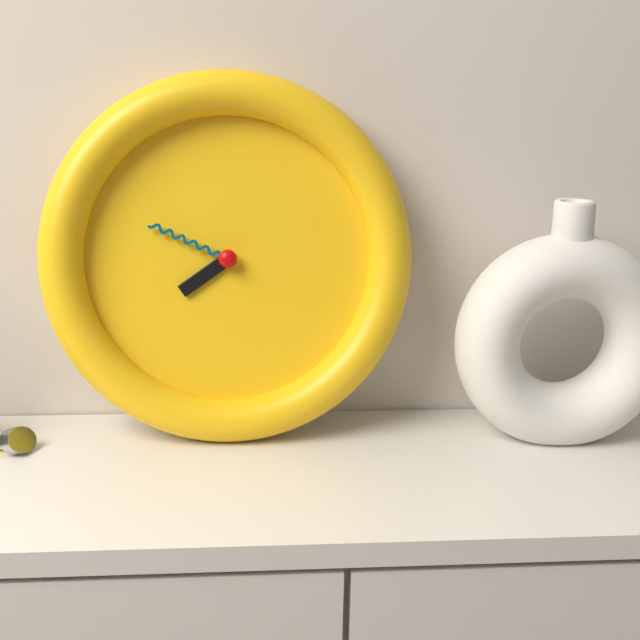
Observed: 7.49
